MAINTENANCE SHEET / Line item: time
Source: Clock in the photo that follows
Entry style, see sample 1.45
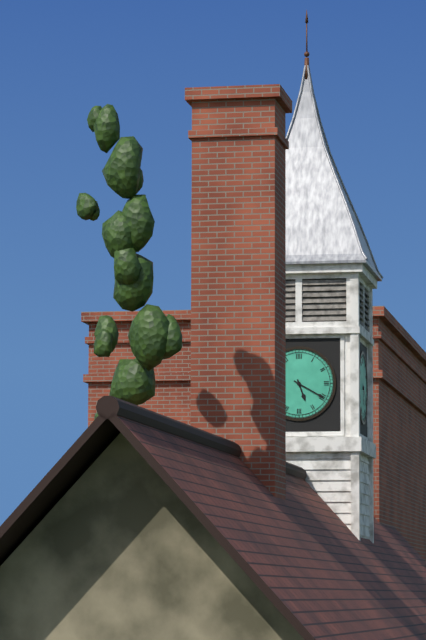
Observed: 5.20
